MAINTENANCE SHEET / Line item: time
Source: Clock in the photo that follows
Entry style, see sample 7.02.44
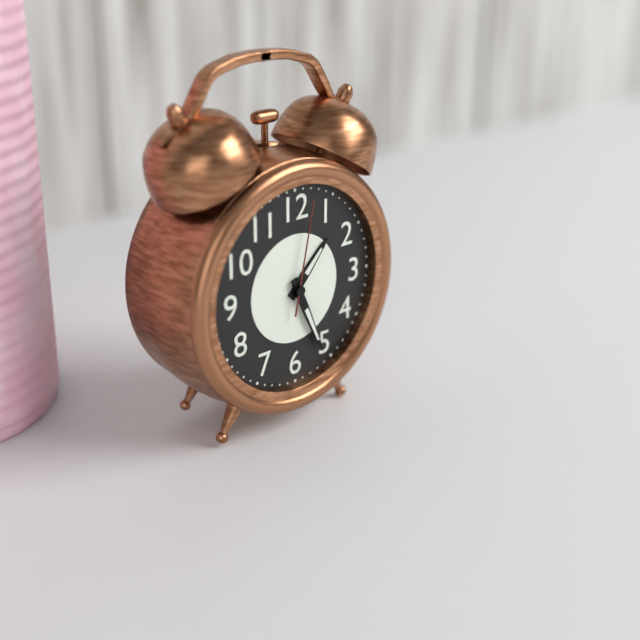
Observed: 1.26.02
